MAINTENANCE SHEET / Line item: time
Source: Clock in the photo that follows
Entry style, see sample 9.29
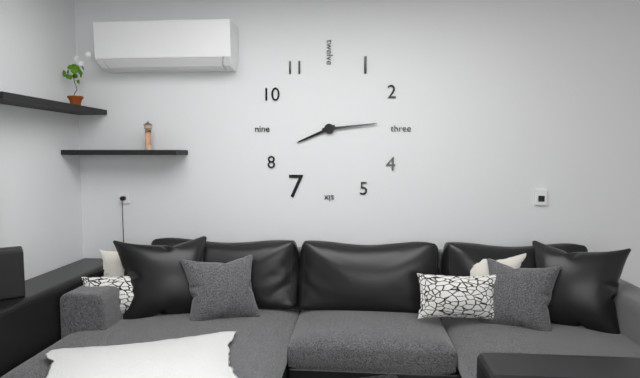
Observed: 8.14
